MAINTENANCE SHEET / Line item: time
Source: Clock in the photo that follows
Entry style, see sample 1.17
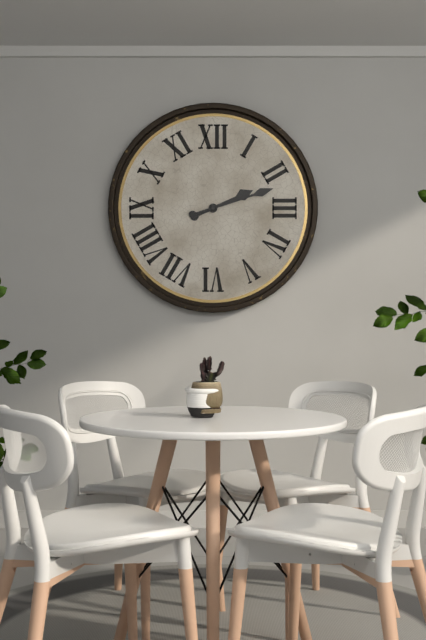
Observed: 2.12
